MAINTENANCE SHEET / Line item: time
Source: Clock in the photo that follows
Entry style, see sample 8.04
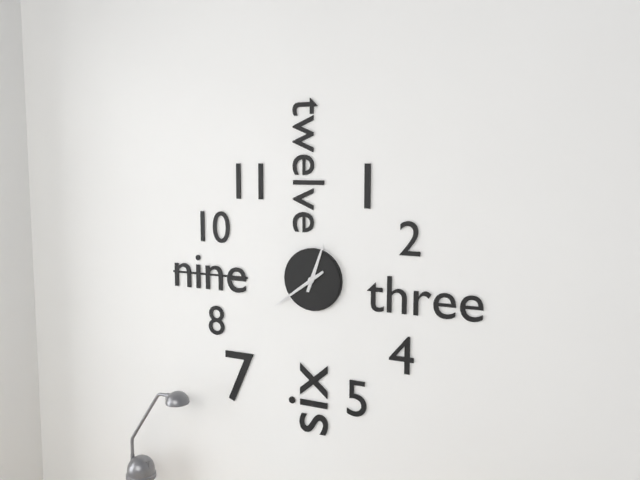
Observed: 12.39
